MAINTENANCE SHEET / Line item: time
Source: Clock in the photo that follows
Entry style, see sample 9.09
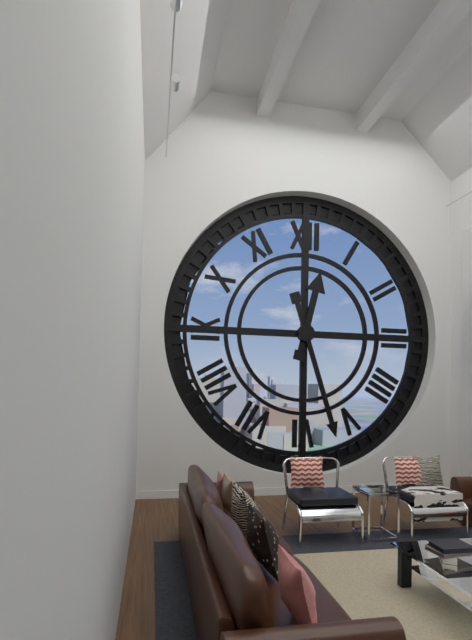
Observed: 12.27
